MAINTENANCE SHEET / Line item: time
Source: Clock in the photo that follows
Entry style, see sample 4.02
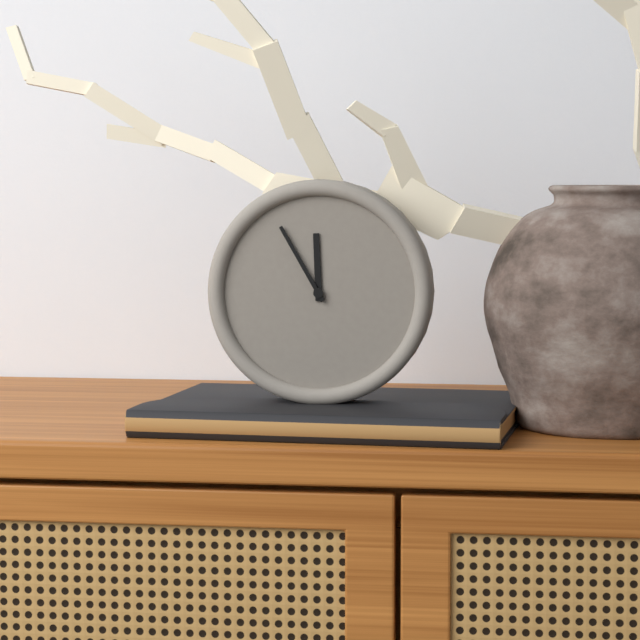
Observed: 11.55
